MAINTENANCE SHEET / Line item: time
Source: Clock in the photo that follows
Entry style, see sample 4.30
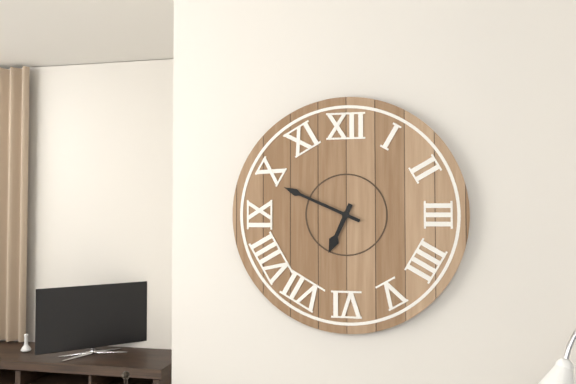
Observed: 6.49
